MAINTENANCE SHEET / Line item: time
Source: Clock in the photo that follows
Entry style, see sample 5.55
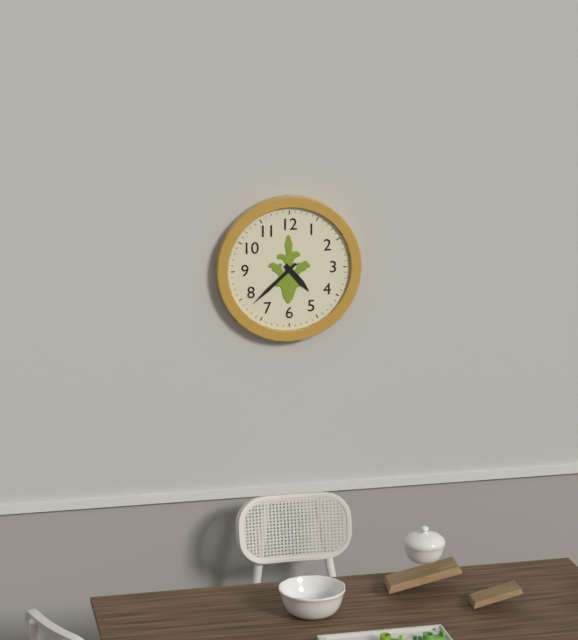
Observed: 4.38
